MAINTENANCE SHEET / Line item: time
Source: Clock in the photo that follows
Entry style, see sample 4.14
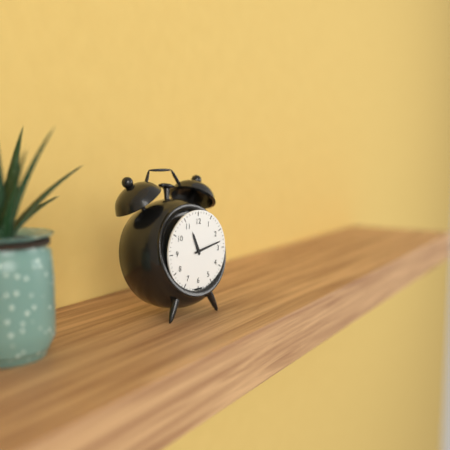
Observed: 11.13
